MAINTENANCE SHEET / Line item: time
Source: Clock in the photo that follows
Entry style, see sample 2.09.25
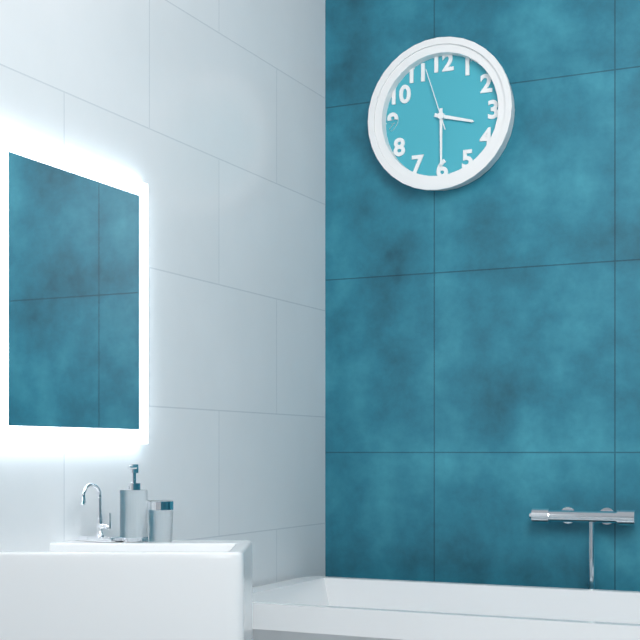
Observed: 3.30.57
